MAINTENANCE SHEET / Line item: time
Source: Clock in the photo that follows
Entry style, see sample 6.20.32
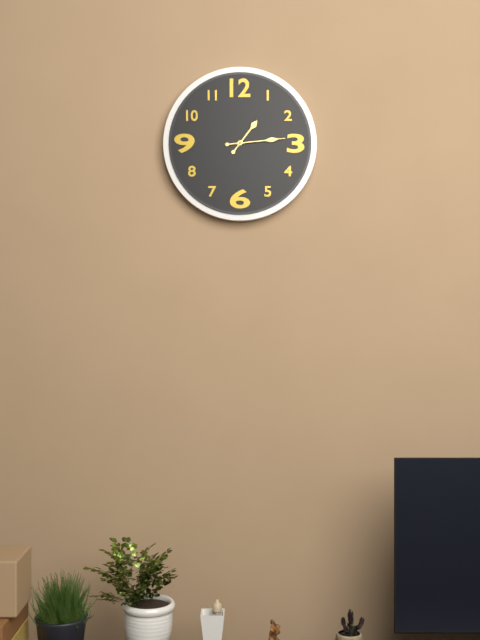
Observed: 1.14.14
